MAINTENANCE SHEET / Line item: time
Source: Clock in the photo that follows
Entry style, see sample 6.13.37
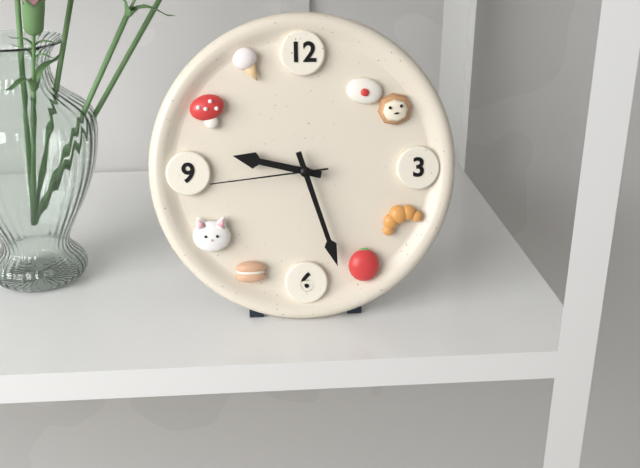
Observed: 9.27.44
